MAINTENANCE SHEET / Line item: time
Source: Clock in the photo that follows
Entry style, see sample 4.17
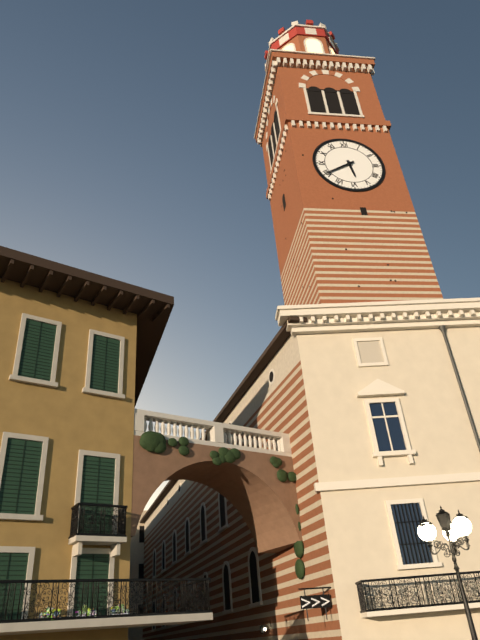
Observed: 5.40
